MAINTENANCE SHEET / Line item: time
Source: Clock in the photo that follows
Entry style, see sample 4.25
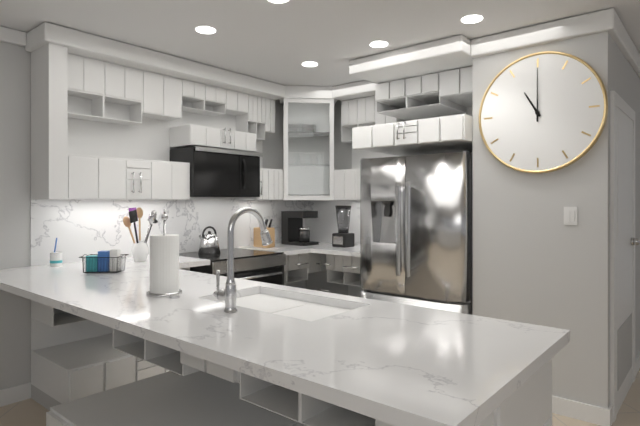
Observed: 11.00
